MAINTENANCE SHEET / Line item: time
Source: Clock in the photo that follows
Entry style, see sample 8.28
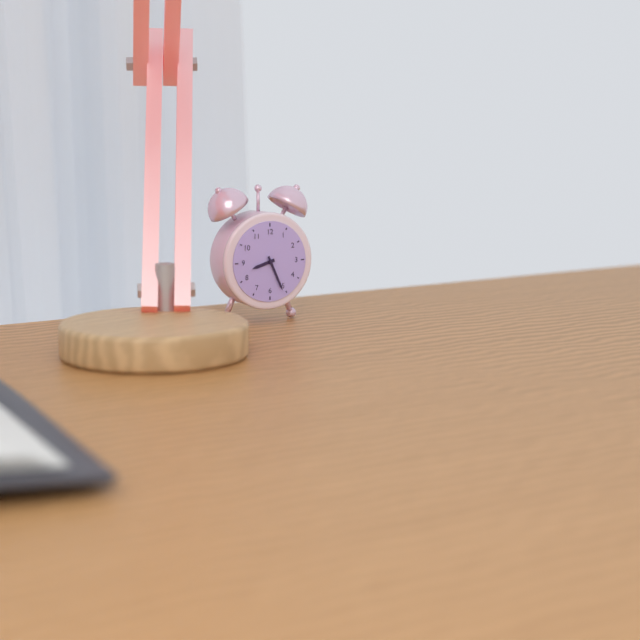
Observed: 8.26
